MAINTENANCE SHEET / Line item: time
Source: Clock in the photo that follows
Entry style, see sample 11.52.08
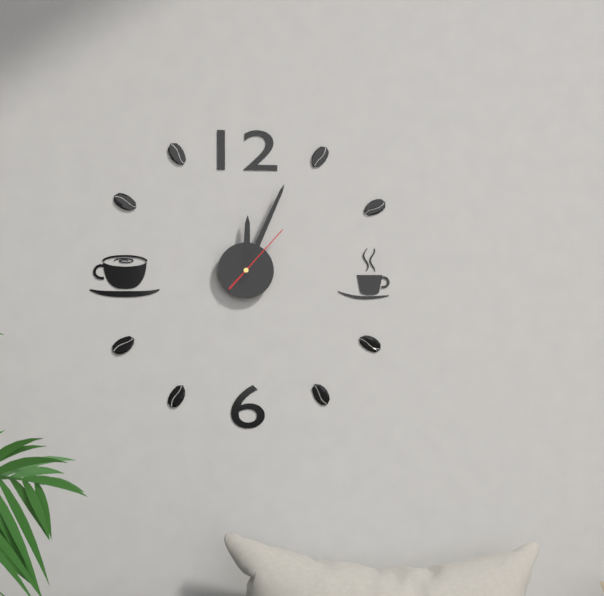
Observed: 12.04.07
